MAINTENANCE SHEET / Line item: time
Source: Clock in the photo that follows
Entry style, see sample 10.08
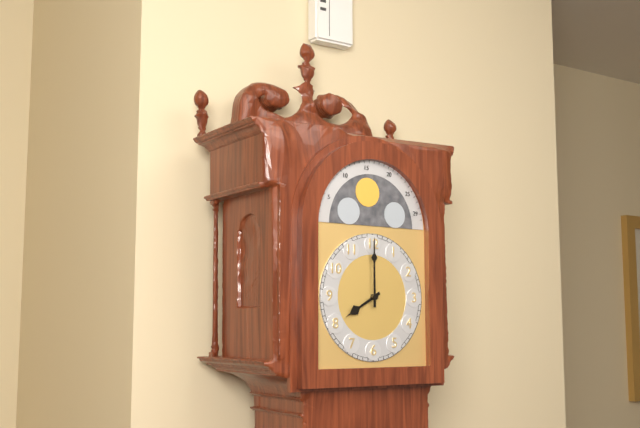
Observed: 8.00
